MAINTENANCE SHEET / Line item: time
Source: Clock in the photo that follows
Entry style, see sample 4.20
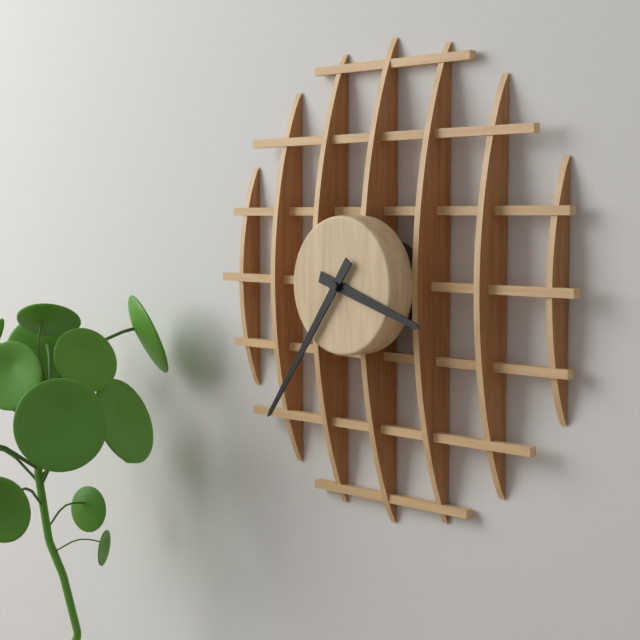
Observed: 3.36
